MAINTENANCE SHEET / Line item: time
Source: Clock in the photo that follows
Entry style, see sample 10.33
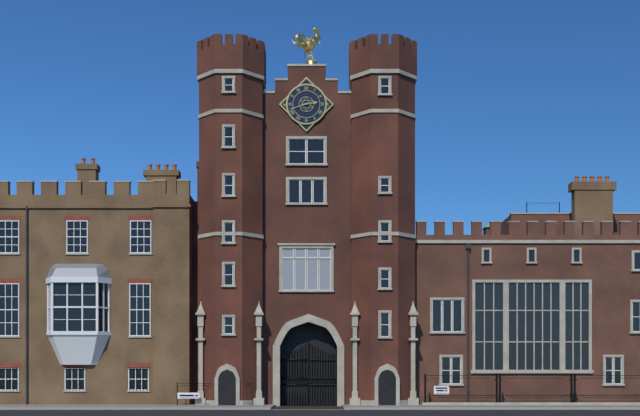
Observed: 2.42
